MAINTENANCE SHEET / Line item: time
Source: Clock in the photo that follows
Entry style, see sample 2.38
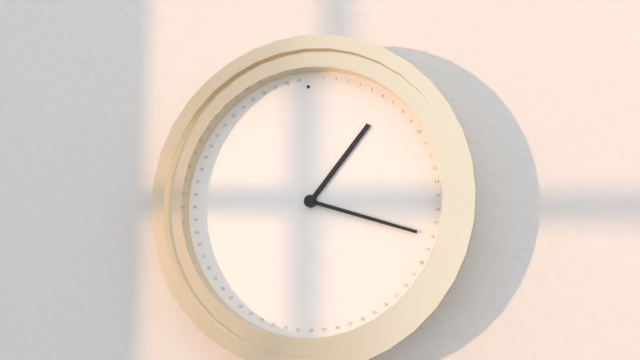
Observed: 1.18
